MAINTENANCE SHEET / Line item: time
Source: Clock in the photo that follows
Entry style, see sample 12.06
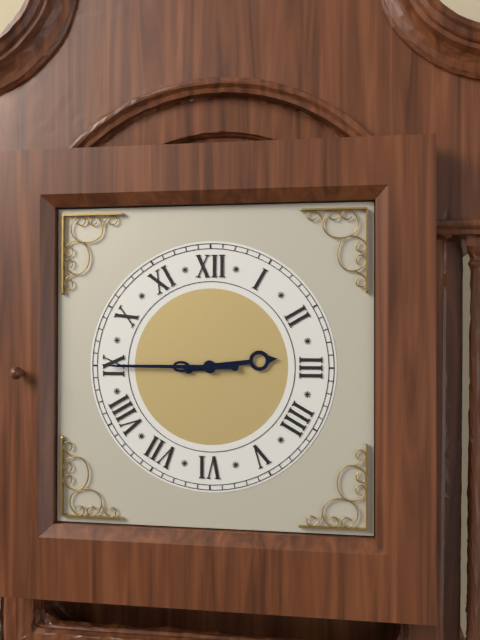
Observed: 2.45
